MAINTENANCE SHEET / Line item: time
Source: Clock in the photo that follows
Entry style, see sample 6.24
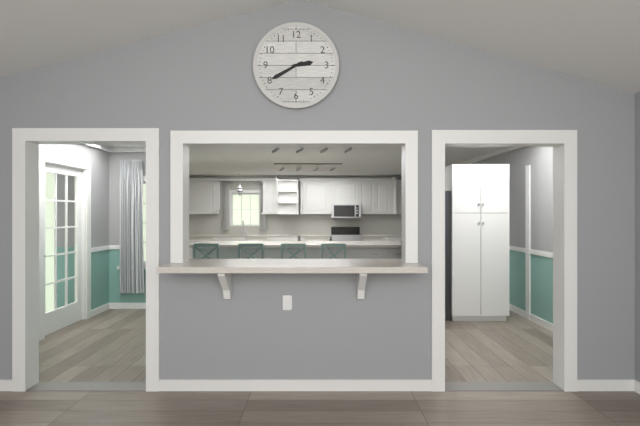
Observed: 2.40
